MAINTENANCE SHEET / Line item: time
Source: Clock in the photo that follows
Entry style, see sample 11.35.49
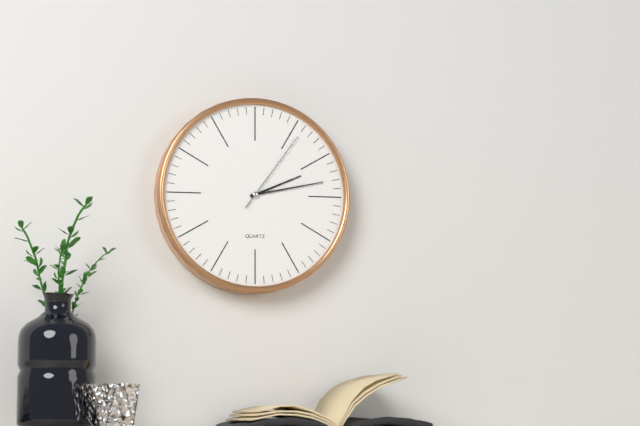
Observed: 2.13.06
